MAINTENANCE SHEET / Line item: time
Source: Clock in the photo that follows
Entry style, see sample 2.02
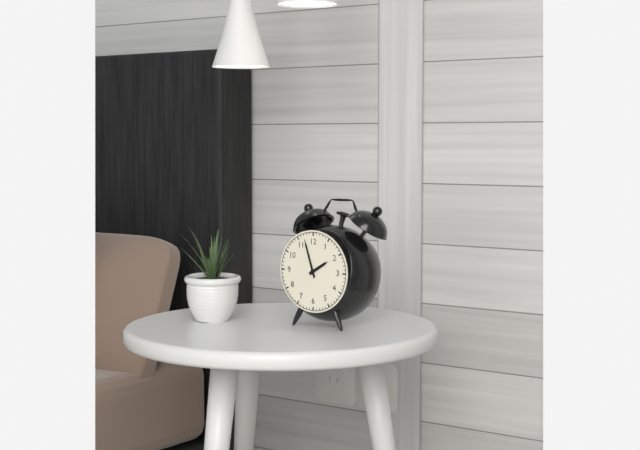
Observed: 1.57
